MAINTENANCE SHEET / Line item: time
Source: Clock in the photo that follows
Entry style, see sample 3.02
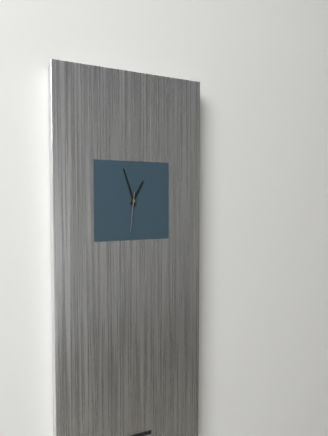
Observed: 12.57
